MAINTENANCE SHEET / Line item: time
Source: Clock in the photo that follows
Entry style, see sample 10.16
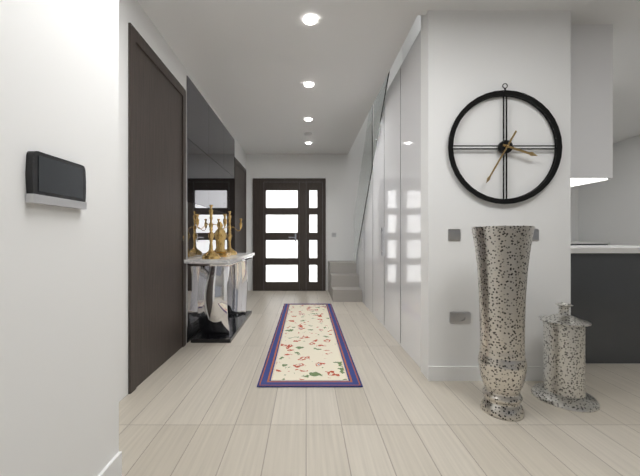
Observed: 3.35
